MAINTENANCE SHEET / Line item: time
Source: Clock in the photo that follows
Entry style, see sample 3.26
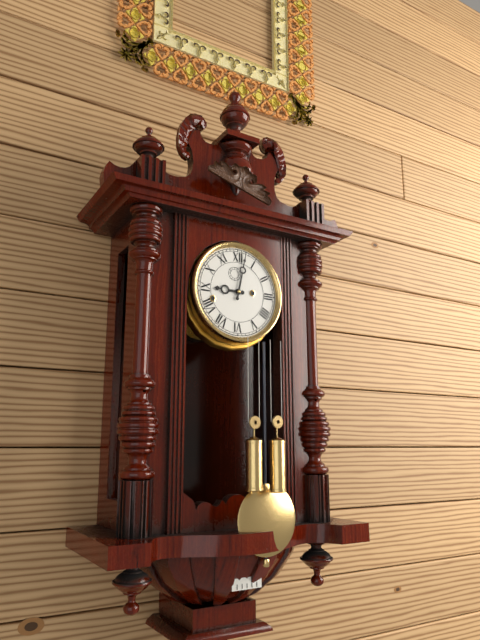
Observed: 9.02
